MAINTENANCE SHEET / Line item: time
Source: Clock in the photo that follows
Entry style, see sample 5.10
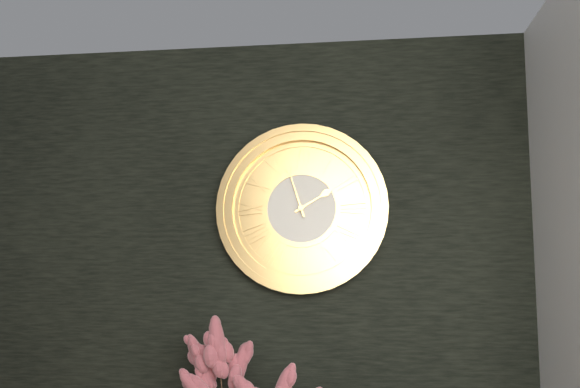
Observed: 1.57
